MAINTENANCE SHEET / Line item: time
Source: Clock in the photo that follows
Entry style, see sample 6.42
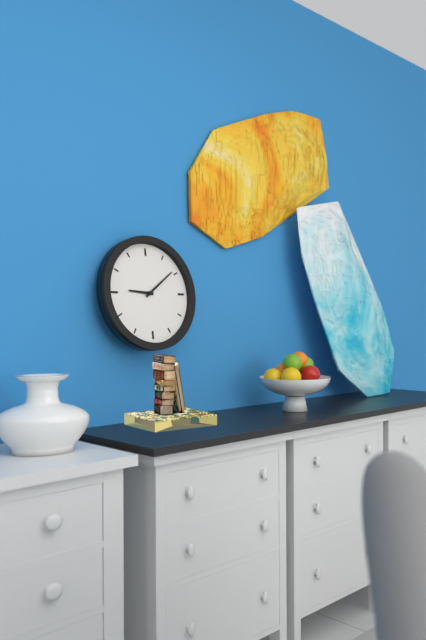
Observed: 9.09
